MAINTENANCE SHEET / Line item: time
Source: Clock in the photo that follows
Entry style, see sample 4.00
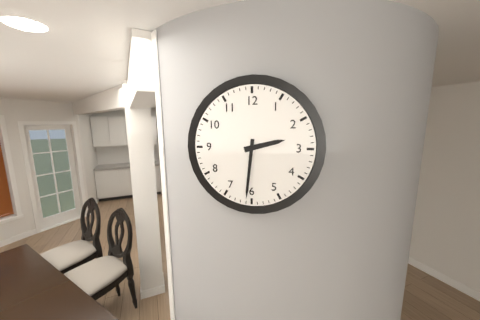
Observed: 2.31
